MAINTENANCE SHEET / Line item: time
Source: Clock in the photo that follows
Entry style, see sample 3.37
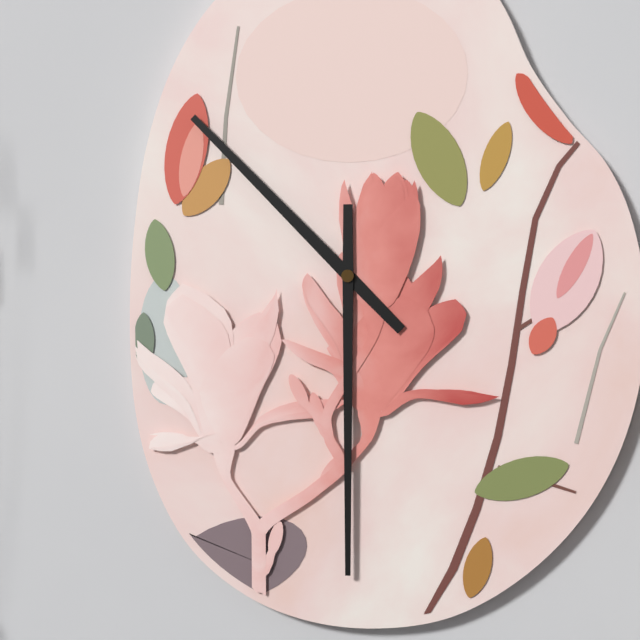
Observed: 10.30
